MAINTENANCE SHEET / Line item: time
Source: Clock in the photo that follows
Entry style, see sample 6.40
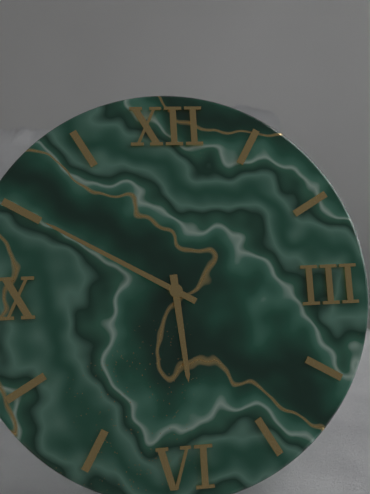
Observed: 5.50
